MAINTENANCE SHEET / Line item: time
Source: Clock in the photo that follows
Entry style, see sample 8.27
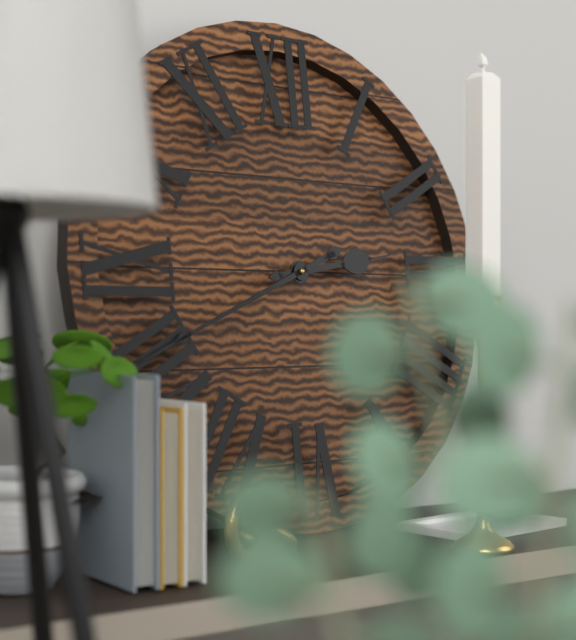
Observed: 2.41
